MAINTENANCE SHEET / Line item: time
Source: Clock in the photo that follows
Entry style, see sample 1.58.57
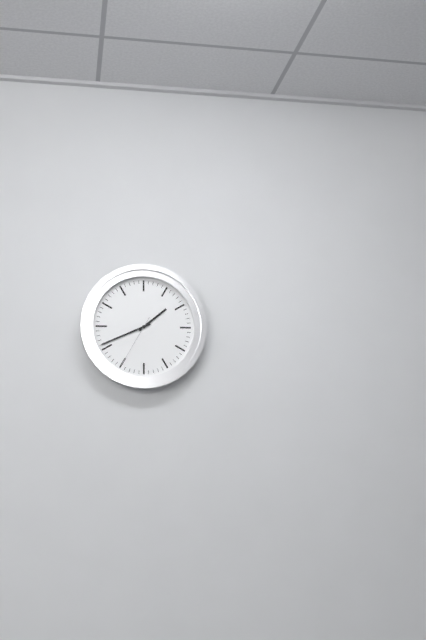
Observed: 1.41.35
